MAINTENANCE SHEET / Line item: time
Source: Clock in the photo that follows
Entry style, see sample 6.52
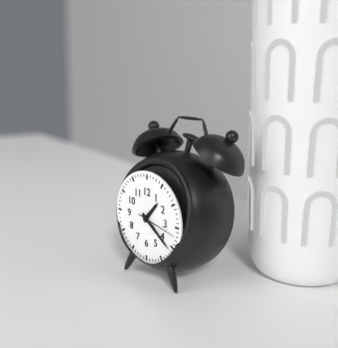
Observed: 1.21
